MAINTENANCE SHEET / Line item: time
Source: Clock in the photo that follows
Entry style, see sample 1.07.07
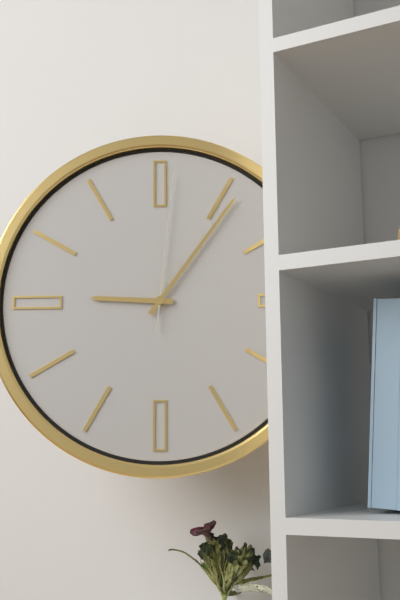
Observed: 9.06.01
